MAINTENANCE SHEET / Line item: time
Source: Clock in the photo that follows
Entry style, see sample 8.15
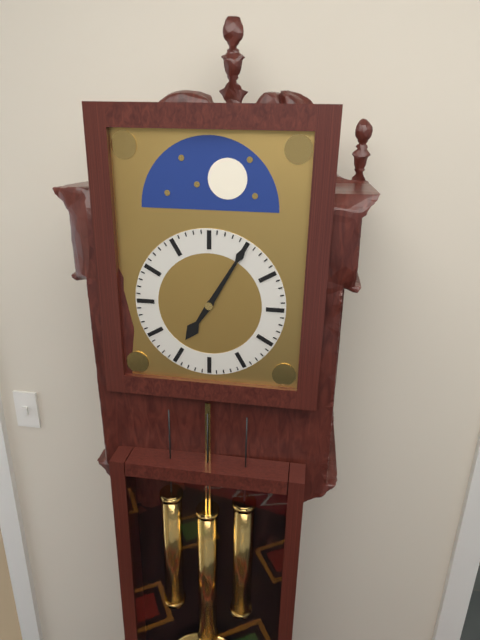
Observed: 7.05
